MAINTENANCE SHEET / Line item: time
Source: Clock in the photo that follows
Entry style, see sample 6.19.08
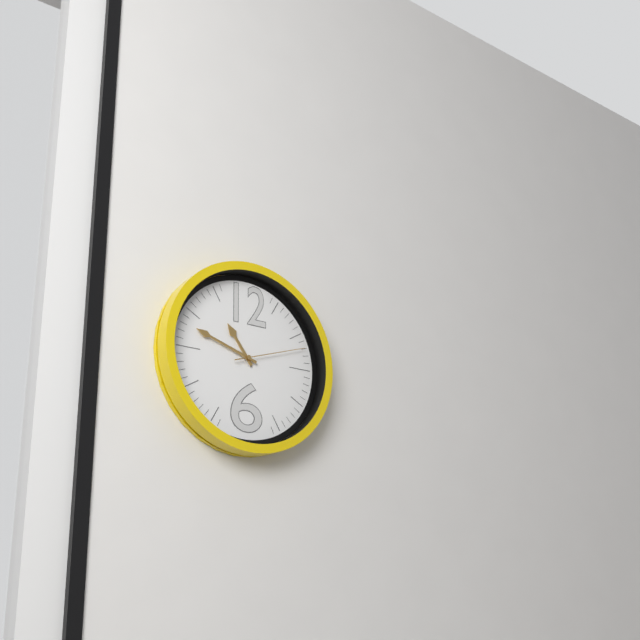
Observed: 10.48.12
